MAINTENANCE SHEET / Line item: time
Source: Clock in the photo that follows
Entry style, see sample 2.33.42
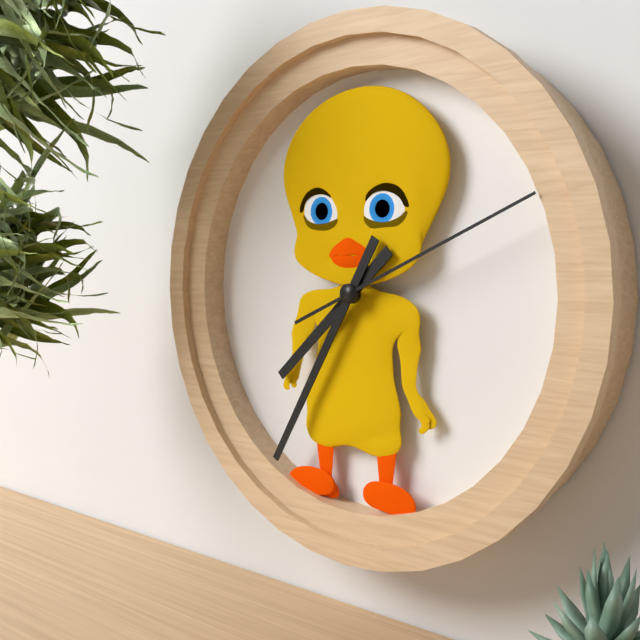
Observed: 7.35.11
